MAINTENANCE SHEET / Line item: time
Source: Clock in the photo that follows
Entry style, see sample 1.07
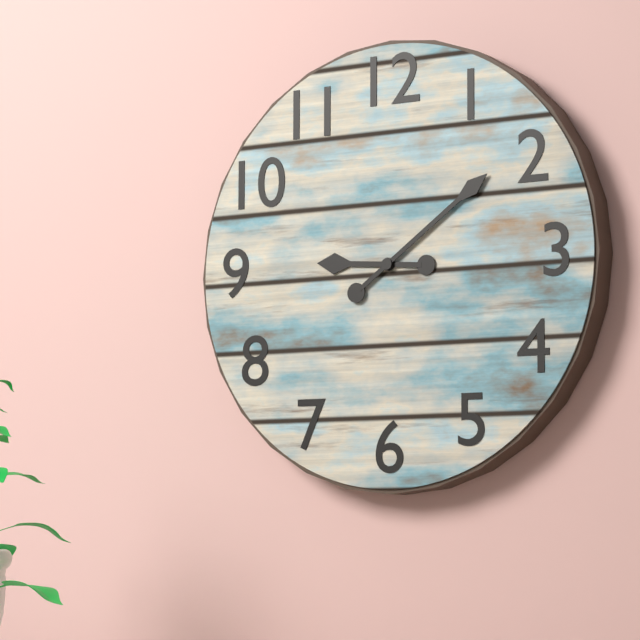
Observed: 9.09
